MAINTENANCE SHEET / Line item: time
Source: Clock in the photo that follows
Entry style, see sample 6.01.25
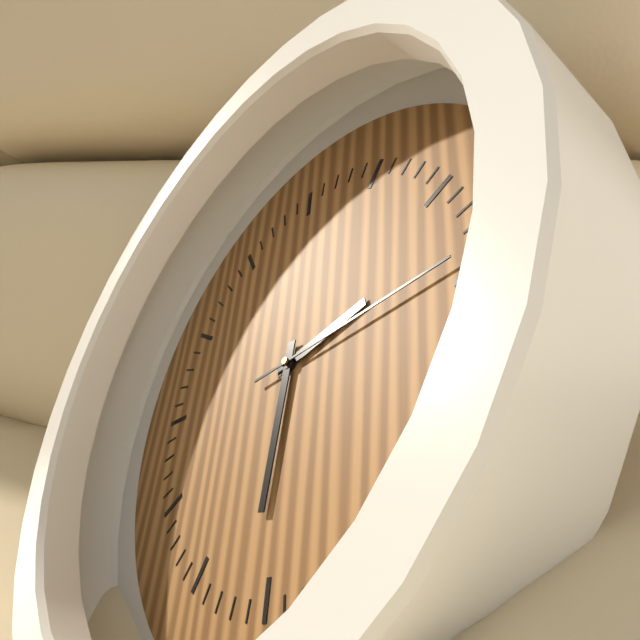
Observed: 2.31.14
